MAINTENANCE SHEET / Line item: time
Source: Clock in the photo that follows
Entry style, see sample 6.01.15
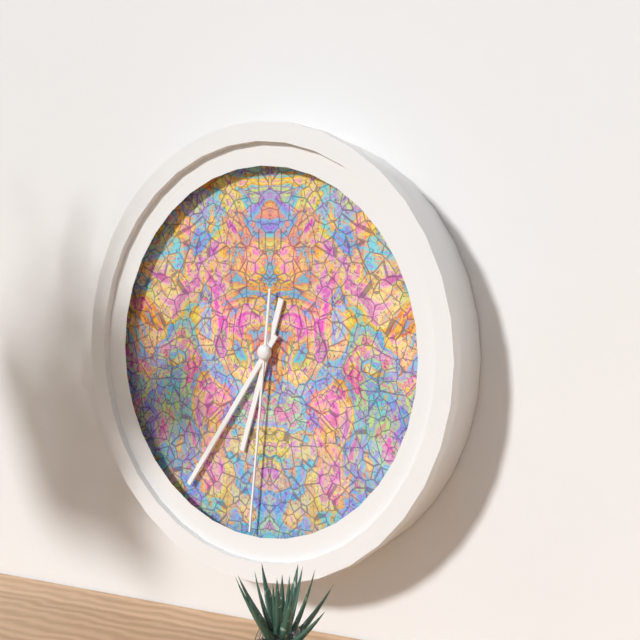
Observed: 6.36.31
